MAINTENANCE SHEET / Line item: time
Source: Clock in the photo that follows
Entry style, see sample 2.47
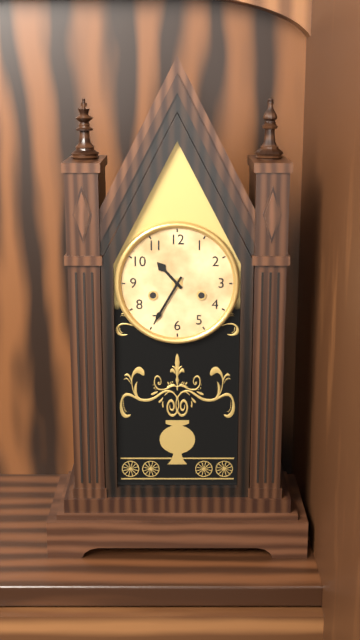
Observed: 10.35
